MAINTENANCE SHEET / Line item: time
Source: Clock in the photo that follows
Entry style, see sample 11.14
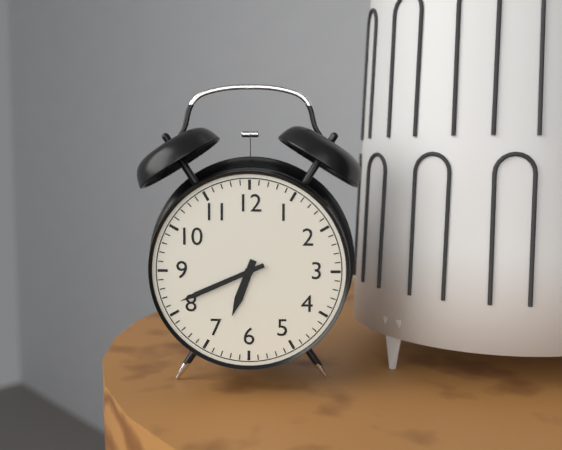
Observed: 6.41
